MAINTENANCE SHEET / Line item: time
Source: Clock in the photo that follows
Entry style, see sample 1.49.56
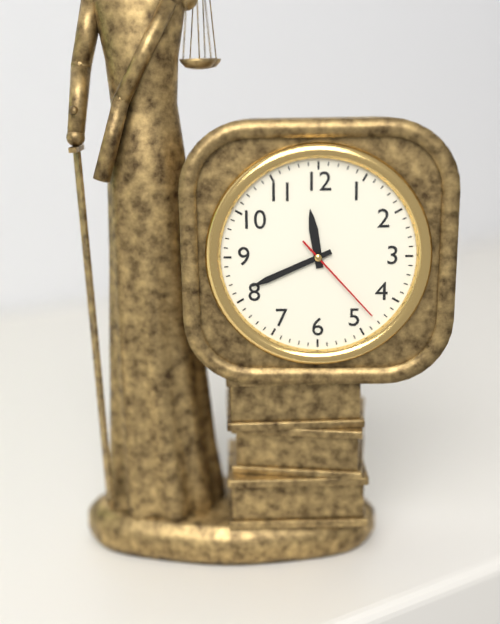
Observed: 11.41.23
